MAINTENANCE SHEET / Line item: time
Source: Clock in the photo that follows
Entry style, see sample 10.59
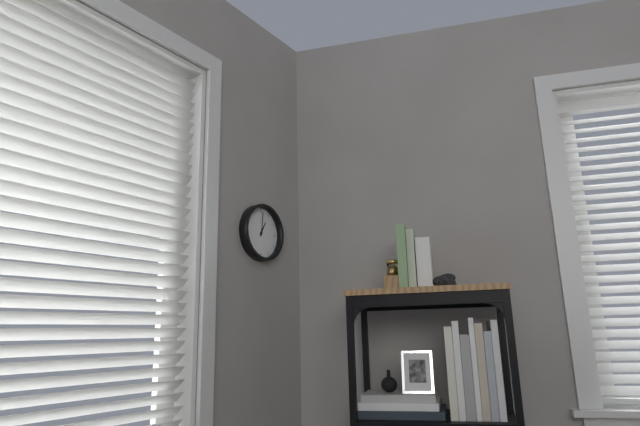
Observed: 1.01
